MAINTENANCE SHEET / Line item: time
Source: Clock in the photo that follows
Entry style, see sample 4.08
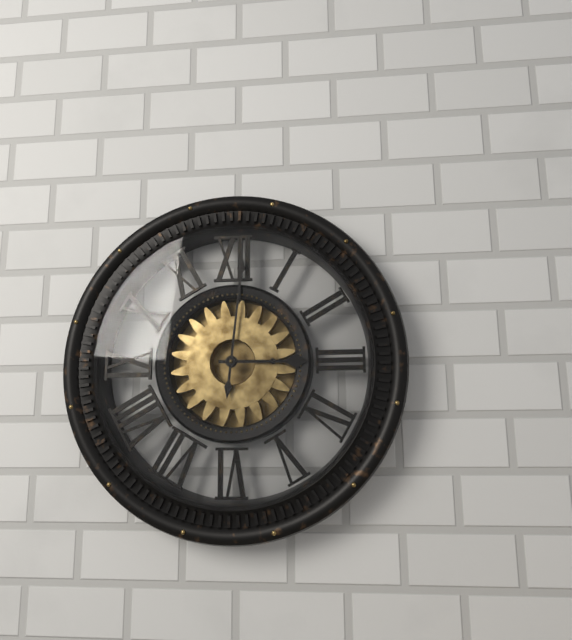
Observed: 3.01
